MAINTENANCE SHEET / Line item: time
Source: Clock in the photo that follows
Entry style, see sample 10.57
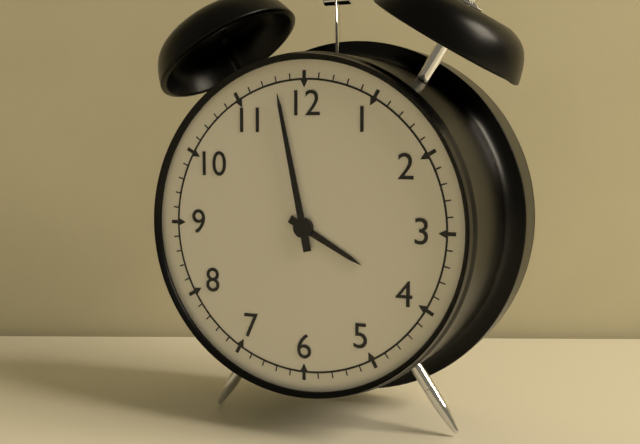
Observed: 3.58
